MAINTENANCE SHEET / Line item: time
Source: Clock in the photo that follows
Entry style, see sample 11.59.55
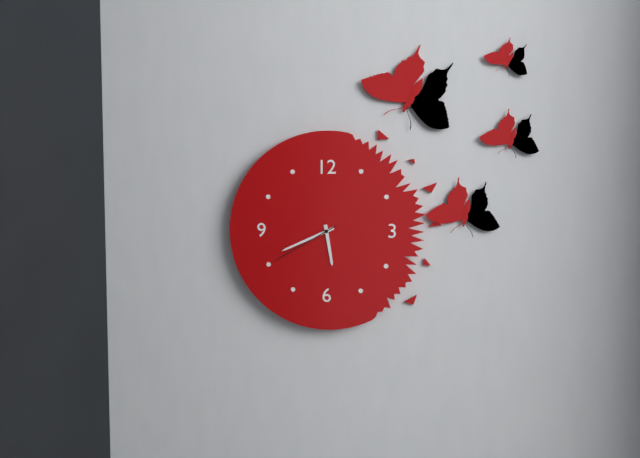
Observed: 5.41.40
